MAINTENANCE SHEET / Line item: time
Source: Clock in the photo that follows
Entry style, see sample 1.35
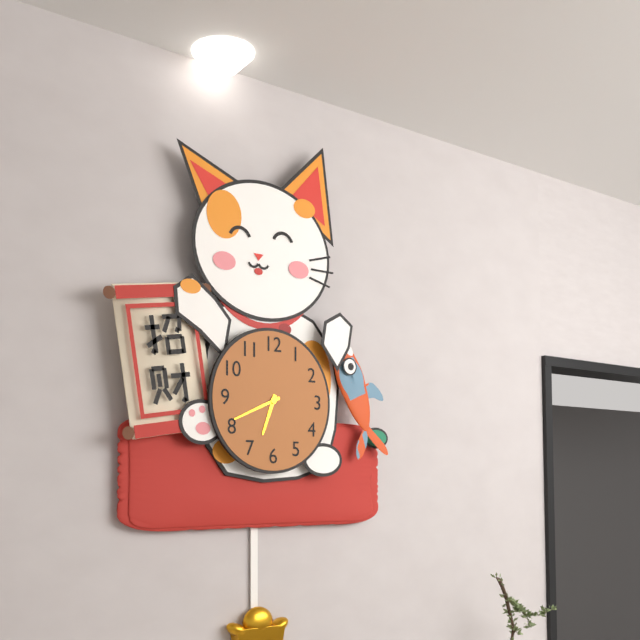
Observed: 6.41
